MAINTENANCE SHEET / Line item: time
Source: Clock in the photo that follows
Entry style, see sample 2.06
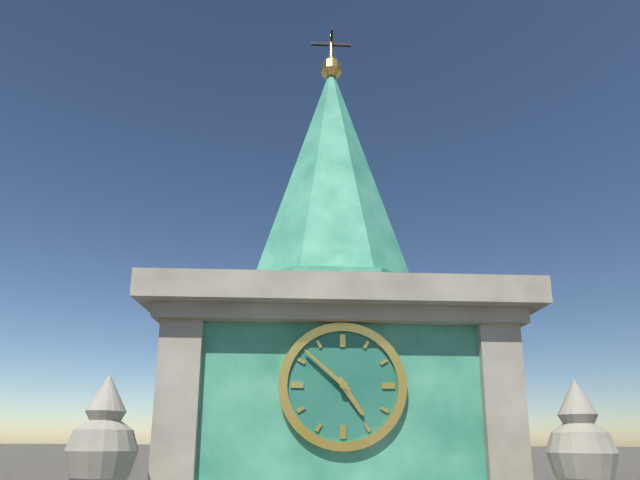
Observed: 4.52
